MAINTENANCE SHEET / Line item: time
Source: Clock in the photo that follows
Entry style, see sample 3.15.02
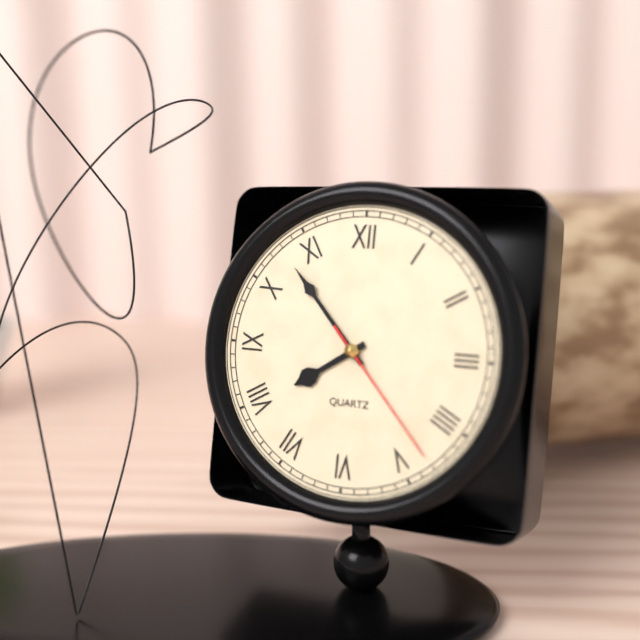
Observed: 7.53.23
